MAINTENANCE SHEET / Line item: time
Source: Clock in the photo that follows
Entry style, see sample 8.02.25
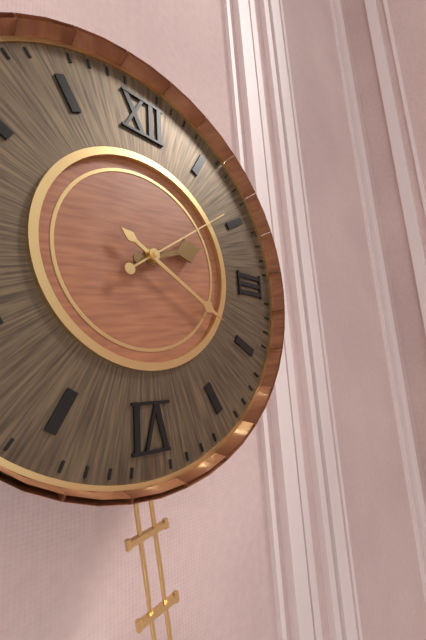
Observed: 2.20.09
